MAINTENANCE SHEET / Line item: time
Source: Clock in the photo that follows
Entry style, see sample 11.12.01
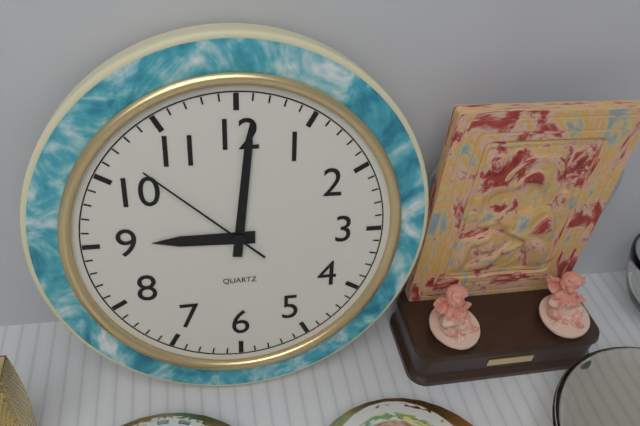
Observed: 9.01.52
